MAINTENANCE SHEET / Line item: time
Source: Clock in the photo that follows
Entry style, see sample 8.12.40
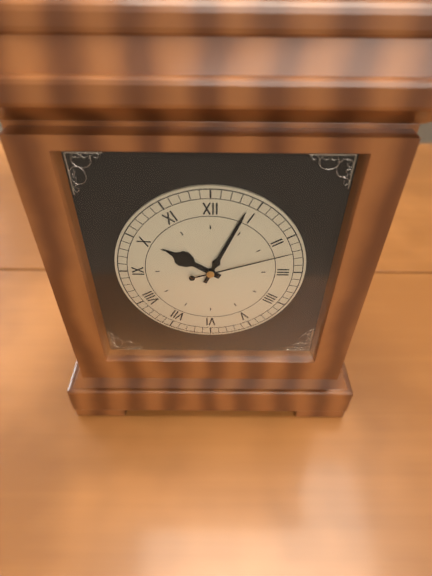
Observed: 10.04.12
